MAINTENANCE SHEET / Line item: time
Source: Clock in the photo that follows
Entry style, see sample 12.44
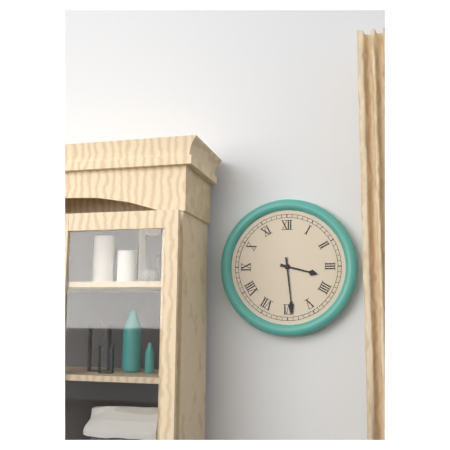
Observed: 3.29
